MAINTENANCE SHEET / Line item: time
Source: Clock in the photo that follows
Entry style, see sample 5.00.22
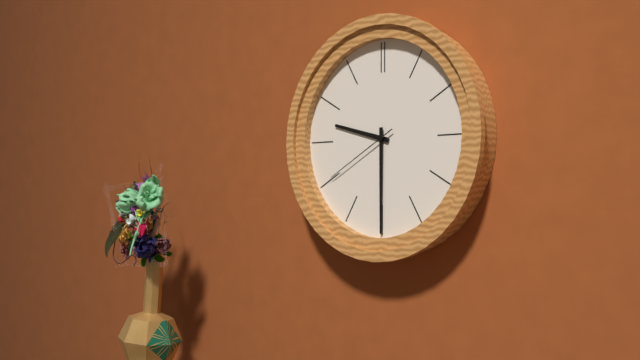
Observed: 9.30.40
